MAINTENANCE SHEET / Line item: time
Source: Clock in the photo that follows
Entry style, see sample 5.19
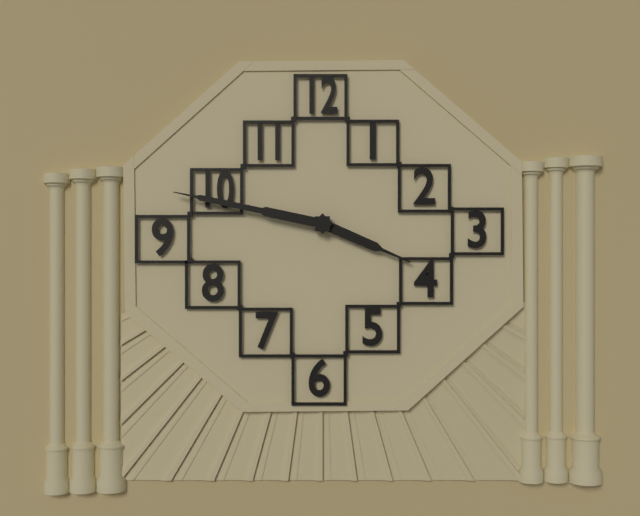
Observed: 3.47
